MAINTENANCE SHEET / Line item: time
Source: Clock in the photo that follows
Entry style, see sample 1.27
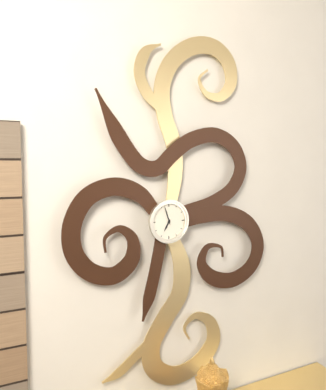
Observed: 6.57
